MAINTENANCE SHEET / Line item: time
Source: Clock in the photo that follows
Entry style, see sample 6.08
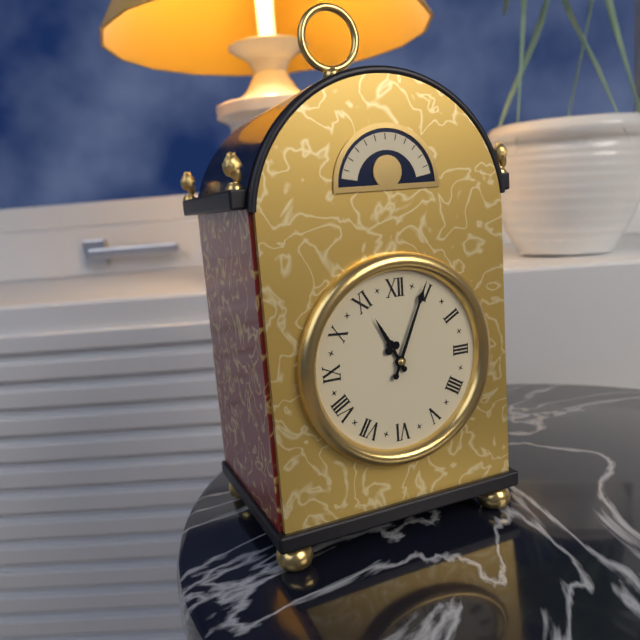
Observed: 11.04
